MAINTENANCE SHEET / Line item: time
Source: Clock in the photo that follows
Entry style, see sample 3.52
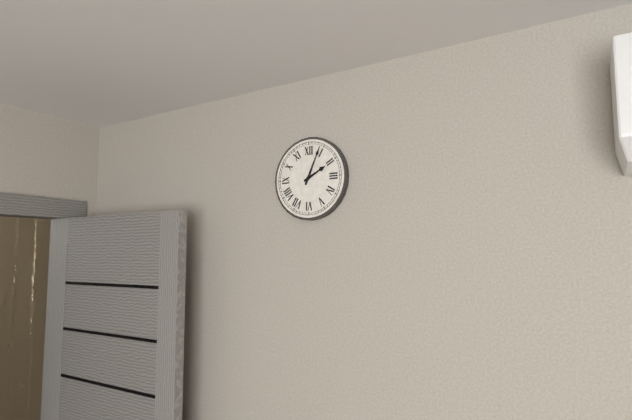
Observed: 2.04
